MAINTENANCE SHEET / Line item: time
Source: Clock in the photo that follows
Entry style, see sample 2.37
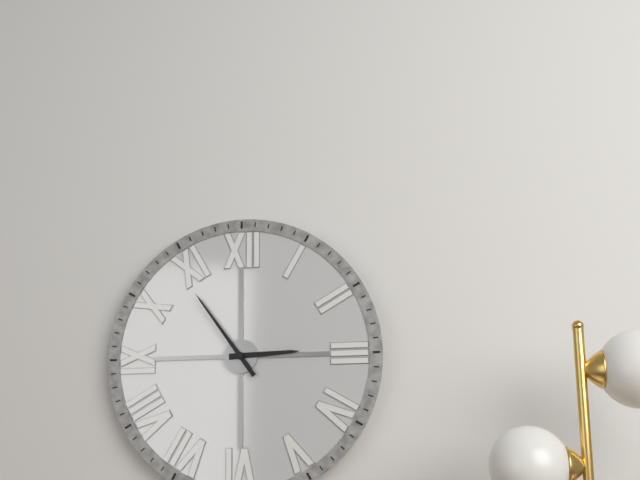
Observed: 2.54
